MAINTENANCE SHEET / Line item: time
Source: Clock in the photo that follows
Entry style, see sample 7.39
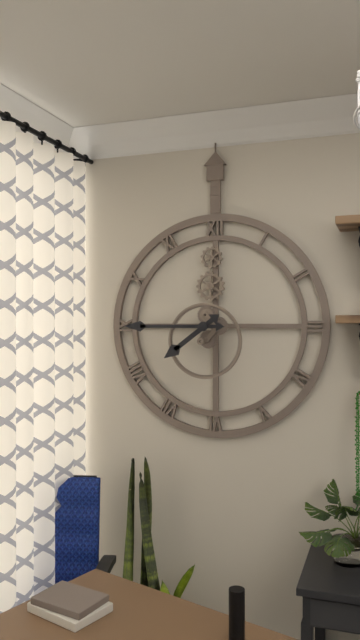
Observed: 7.45
